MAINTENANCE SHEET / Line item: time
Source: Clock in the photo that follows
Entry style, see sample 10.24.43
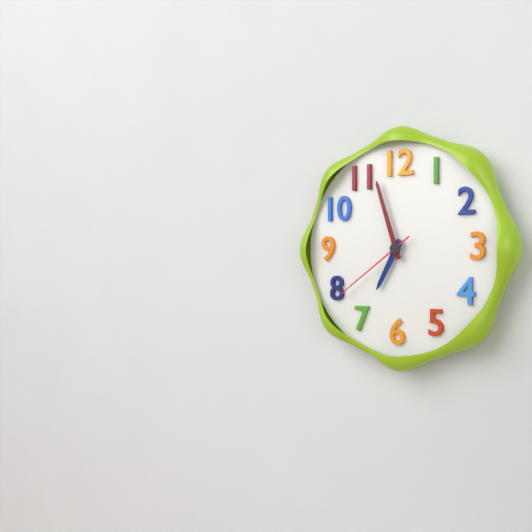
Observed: 6.57.39
